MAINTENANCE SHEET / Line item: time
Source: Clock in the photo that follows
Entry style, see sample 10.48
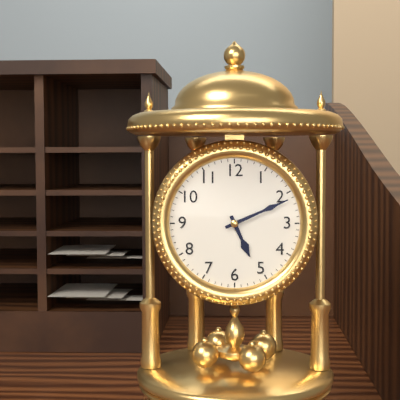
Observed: 5.11
